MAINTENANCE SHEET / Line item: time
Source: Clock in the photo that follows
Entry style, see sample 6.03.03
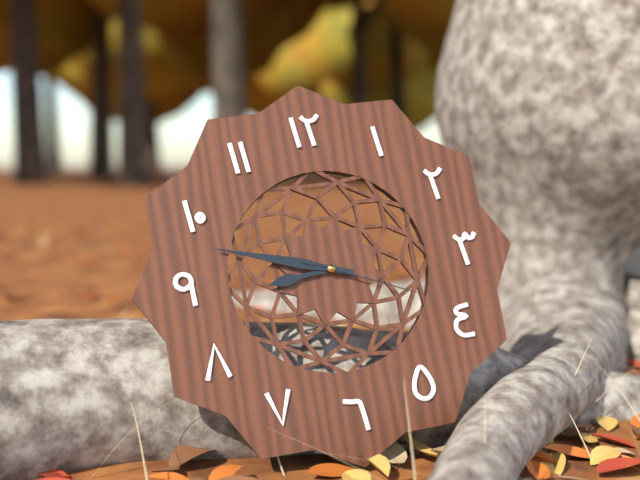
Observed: 8.48.19
